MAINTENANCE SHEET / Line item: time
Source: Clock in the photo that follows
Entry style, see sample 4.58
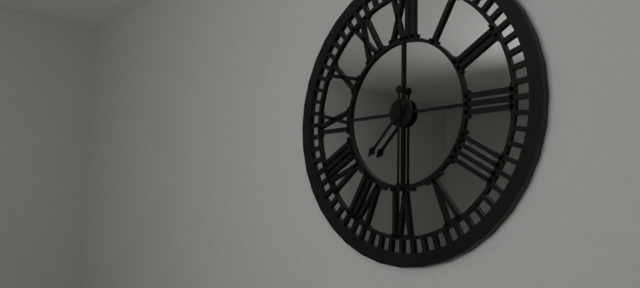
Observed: 7.30
